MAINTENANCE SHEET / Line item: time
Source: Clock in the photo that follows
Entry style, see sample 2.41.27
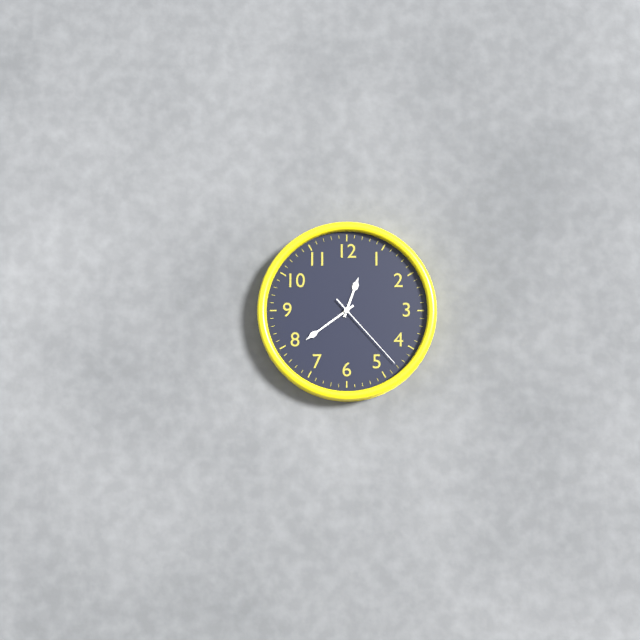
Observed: 12.39.23
